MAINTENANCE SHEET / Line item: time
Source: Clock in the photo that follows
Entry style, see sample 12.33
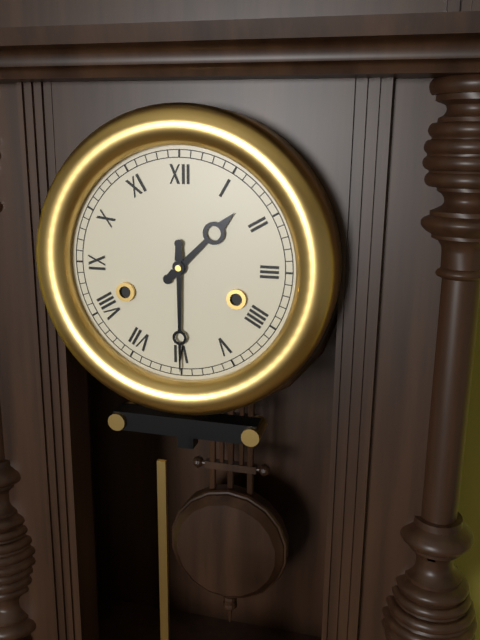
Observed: 1.30
